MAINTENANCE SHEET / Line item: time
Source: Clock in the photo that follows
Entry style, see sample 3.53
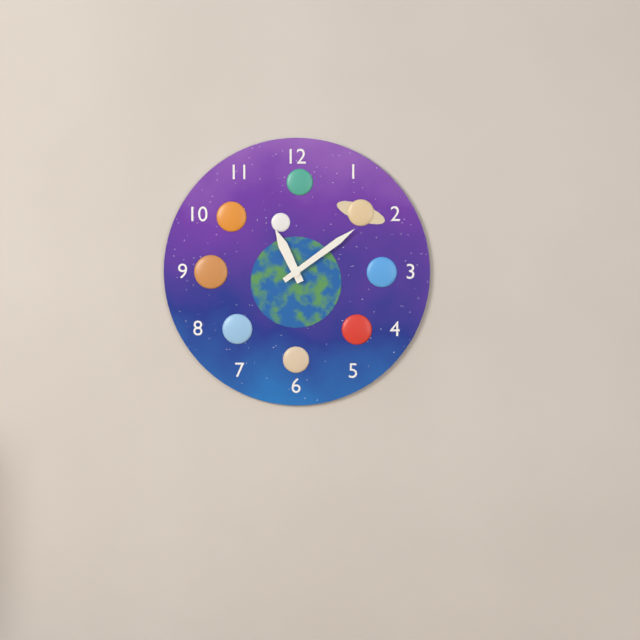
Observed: 11.09
